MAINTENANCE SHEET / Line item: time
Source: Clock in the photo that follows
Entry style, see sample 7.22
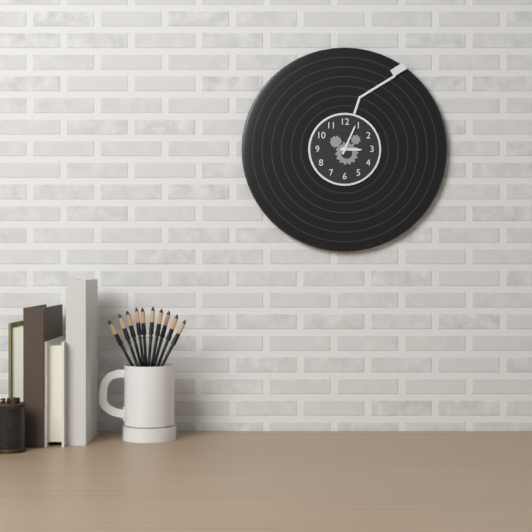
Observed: 3.04
